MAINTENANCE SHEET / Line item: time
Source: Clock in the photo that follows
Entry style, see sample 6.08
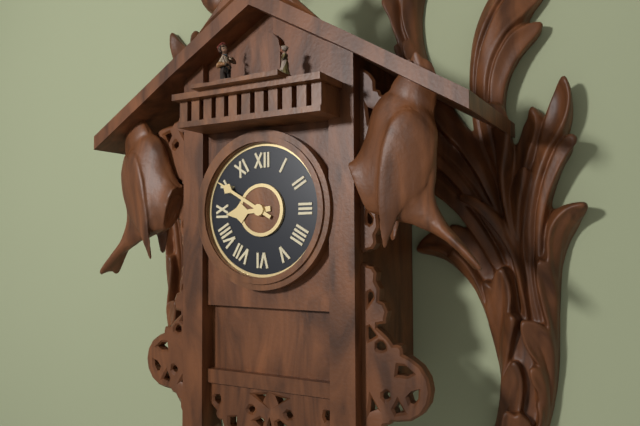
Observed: 8.50
